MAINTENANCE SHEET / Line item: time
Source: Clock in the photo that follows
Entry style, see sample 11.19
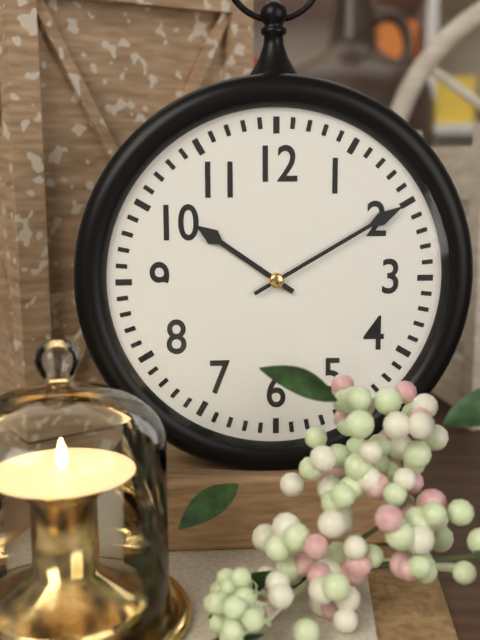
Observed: 10.10
